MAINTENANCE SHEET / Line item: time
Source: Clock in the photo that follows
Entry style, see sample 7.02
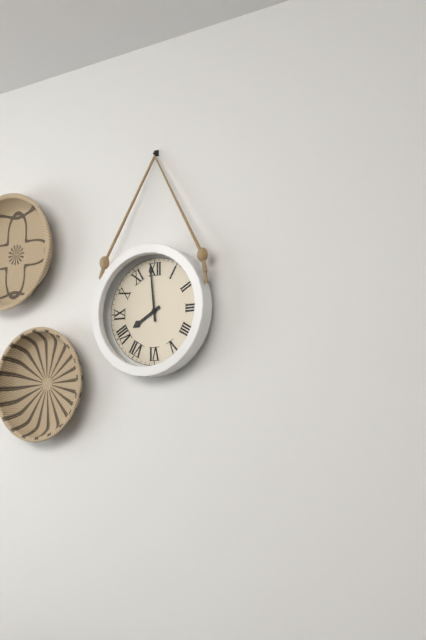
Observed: 7.59
